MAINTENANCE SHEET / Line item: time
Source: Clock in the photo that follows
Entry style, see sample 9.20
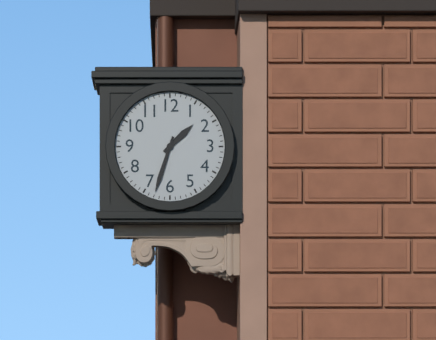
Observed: 1.33
